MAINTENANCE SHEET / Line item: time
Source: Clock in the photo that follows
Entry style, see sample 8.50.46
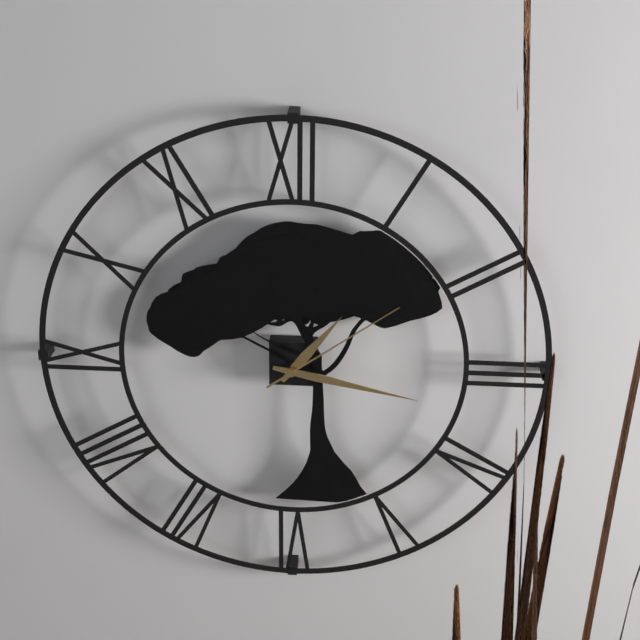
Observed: 1.17.09
